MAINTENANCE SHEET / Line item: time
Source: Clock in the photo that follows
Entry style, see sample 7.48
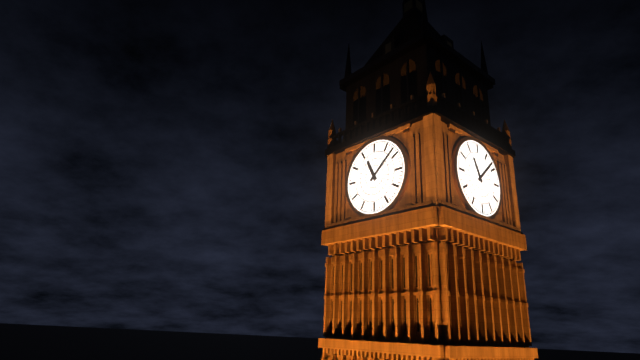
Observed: 11.08
